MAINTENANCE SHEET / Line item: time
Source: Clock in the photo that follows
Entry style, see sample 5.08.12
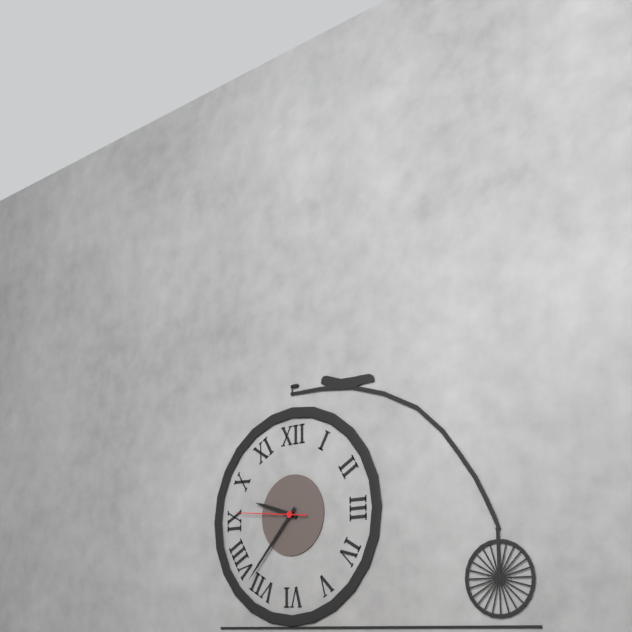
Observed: 9.37.46
